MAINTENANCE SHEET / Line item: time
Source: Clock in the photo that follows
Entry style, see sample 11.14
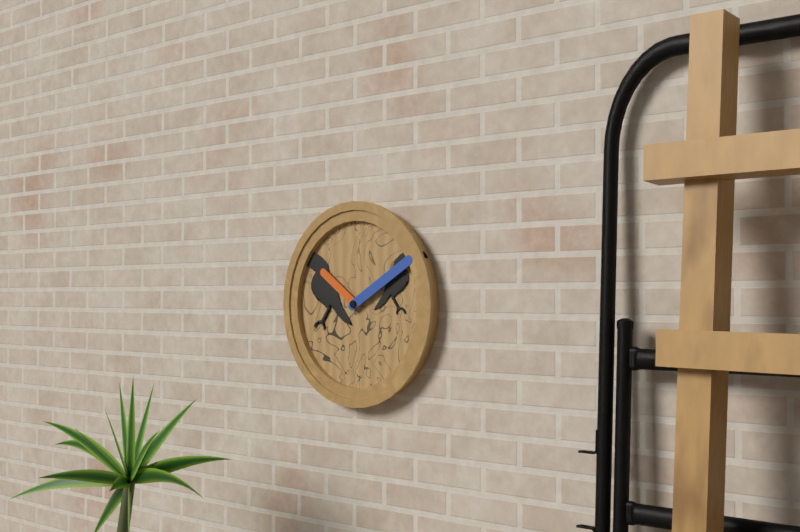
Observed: 10.10
